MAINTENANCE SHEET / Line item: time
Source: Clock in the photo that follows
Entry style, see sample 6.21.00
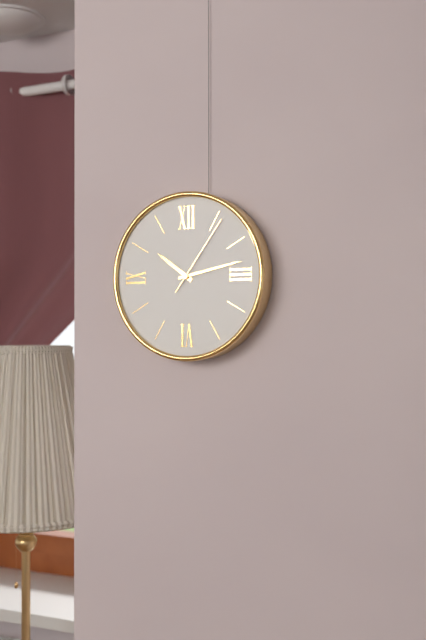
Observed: 10.13.06
